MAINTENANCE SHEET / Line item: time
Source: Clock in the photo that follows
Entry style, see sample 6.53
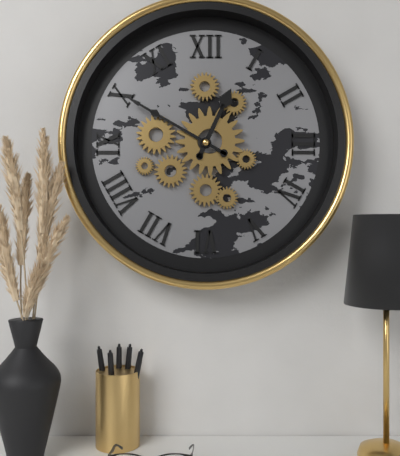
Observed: 12.50
